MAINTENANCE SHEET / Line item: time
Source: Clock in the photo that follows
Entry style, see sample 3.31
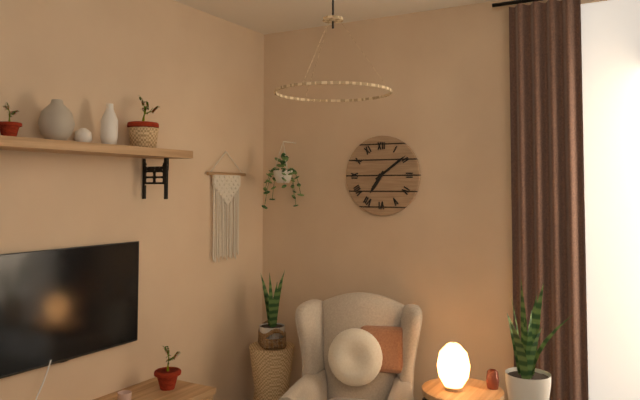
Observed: 7.09
